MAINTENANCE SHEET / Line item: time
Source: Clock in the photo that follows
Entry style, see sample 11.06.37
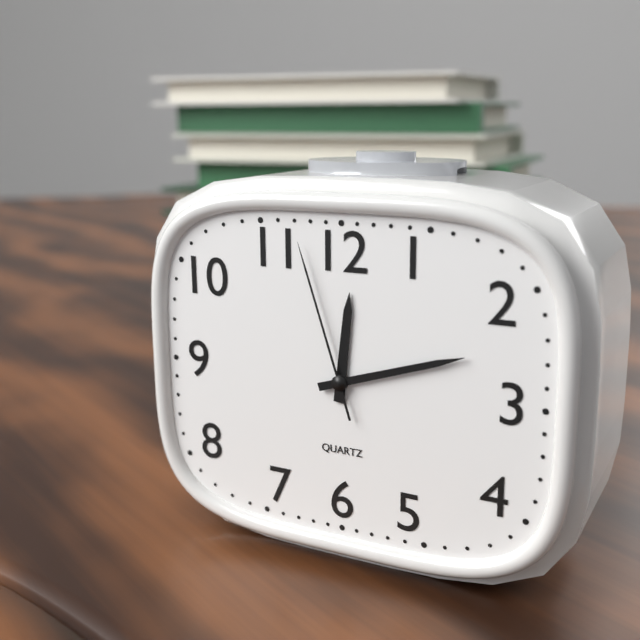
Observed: 12.12.57
